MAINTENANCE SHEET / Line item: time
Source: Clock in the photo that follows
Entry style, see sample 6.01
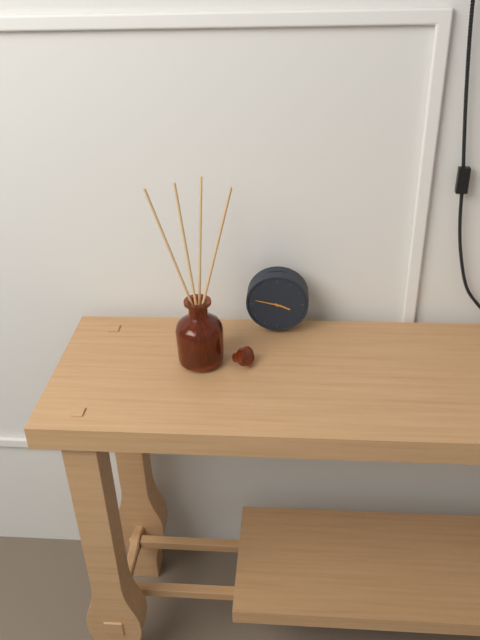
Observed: 3.47
